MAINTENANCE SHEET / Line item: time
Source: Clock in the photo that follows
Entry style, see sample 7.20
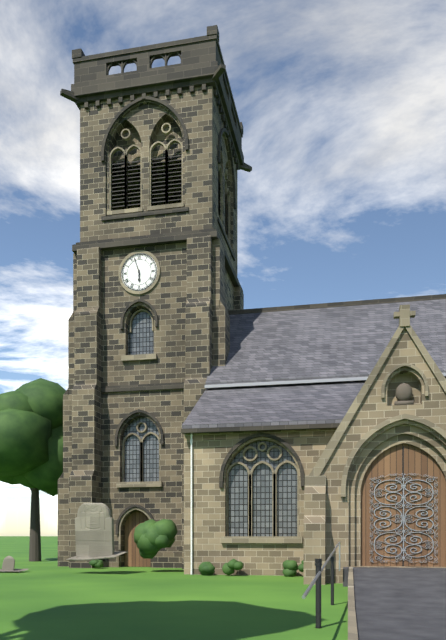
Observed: 5.57
